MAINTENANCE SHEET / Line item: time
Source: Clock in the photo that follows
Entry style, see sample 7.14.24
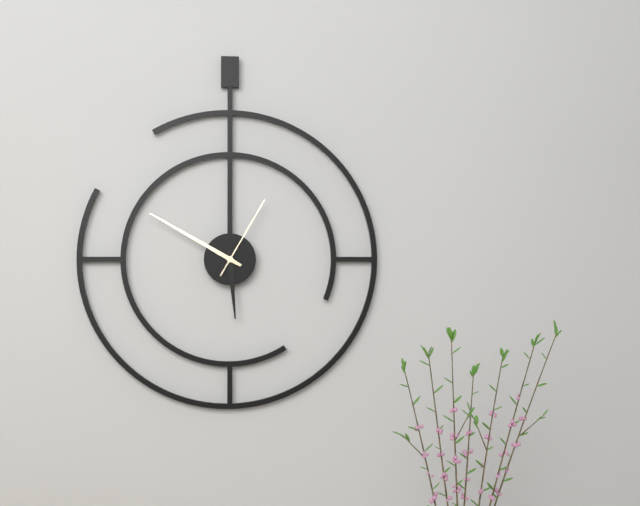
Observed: 5.50.05
